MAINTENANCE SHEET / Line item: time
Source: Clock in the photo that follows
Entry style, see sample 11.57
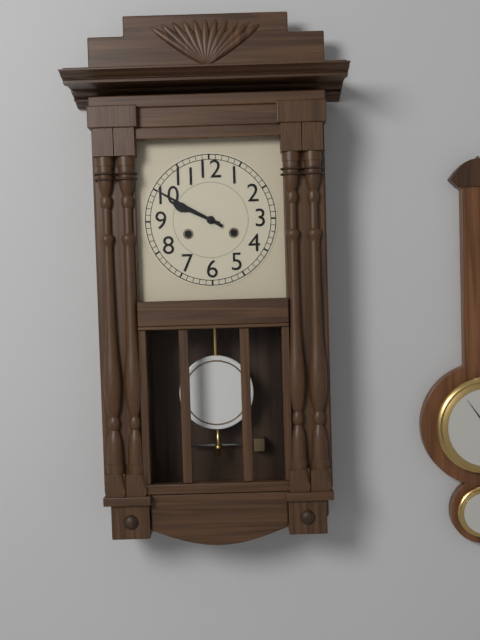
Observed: 9.50
